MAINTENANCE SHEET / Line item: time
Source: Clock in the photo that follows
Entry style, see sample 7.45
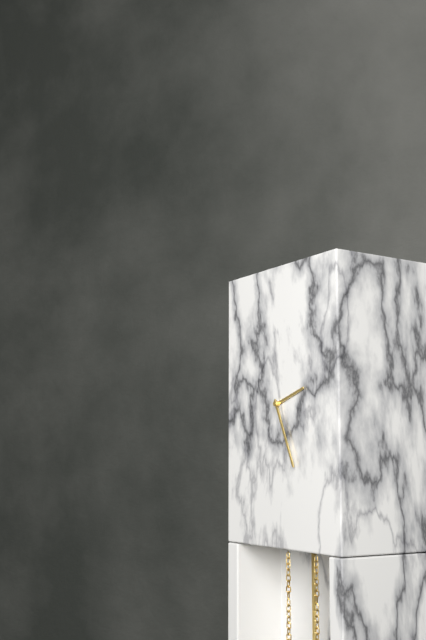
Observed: 2.26
